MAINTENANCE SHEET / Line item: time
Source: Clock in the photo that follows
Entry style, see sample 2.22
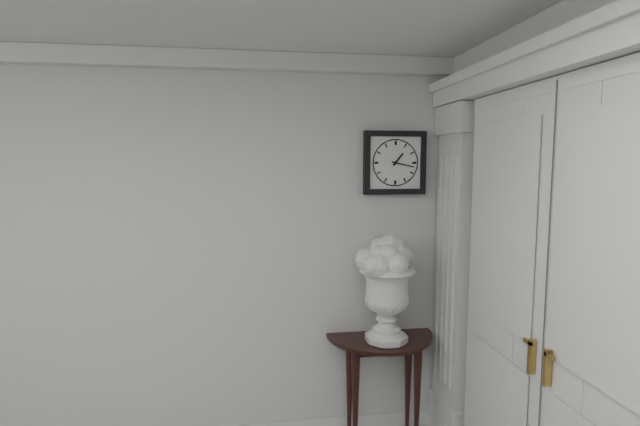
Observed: 1.17
